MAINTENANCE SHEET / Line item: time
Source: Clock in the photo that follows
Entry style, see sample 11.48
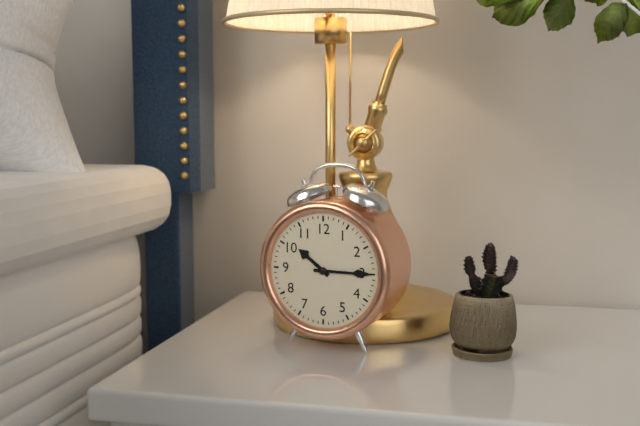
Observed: 10.15
